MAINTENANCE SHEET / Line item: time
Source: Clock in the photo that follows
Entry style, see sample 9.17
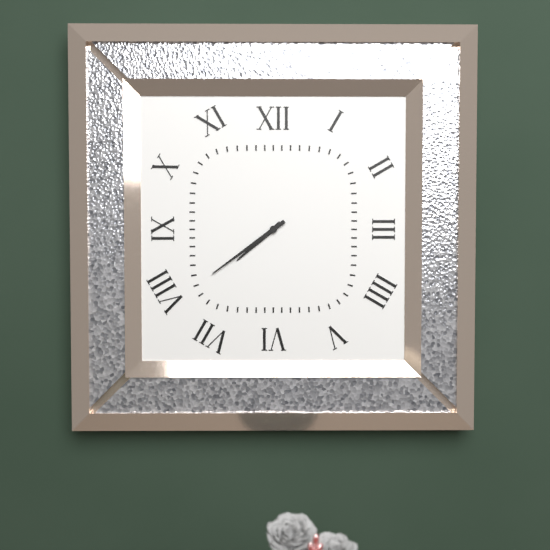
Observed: 7.39
